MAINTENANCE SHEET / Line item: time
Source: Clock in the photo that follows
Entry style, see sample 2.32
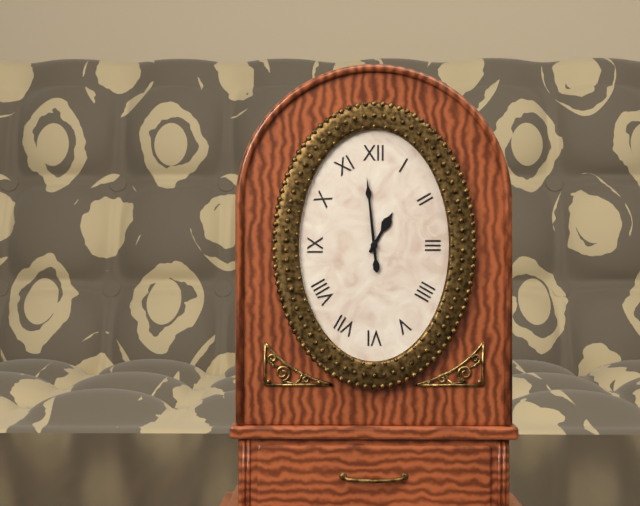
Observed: 12.59
